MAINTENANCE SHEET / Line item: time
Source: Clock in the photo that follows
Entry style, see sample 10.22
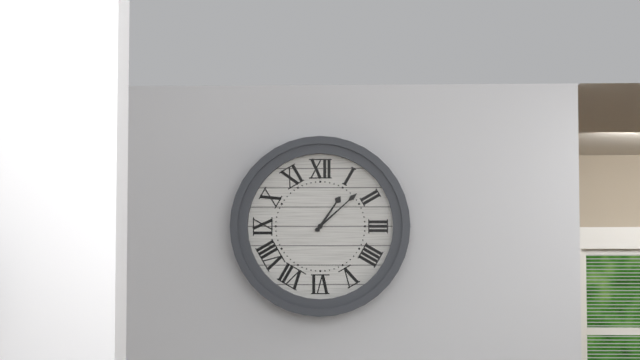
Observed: 1.08
